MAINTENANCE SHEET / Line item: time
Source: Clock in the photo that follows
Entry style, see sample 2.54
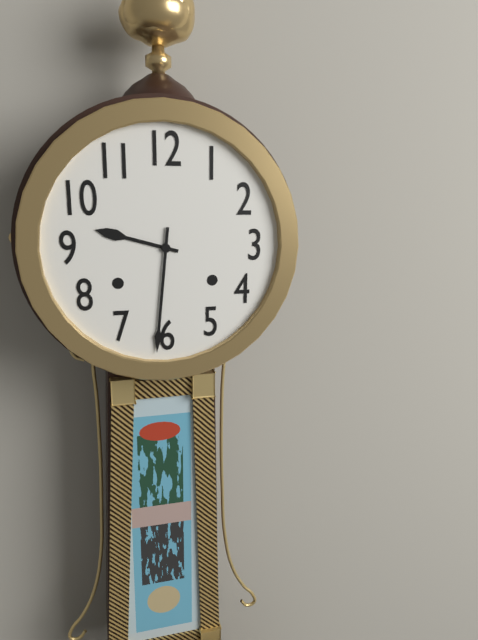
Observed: 9.31
